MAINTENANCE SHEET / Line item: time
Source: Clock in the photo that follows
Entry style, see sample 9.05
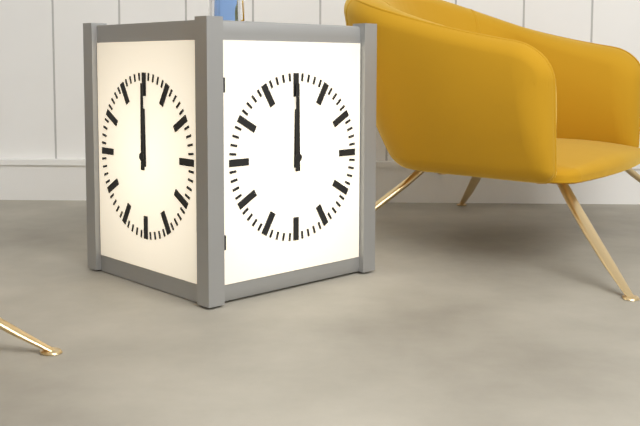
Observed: 12.00
